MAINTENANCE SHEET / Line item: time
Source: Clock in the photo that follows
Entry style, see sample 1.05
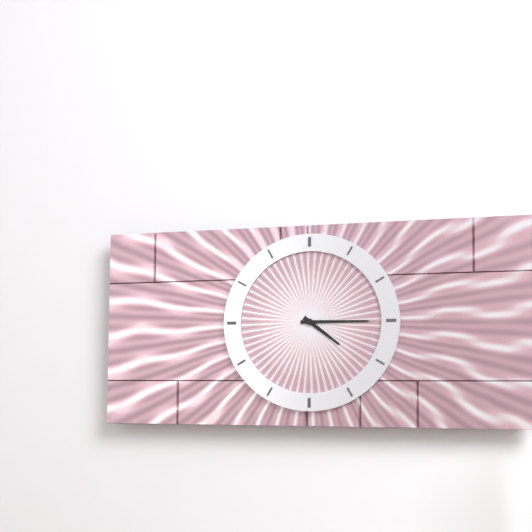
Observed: 4.15
